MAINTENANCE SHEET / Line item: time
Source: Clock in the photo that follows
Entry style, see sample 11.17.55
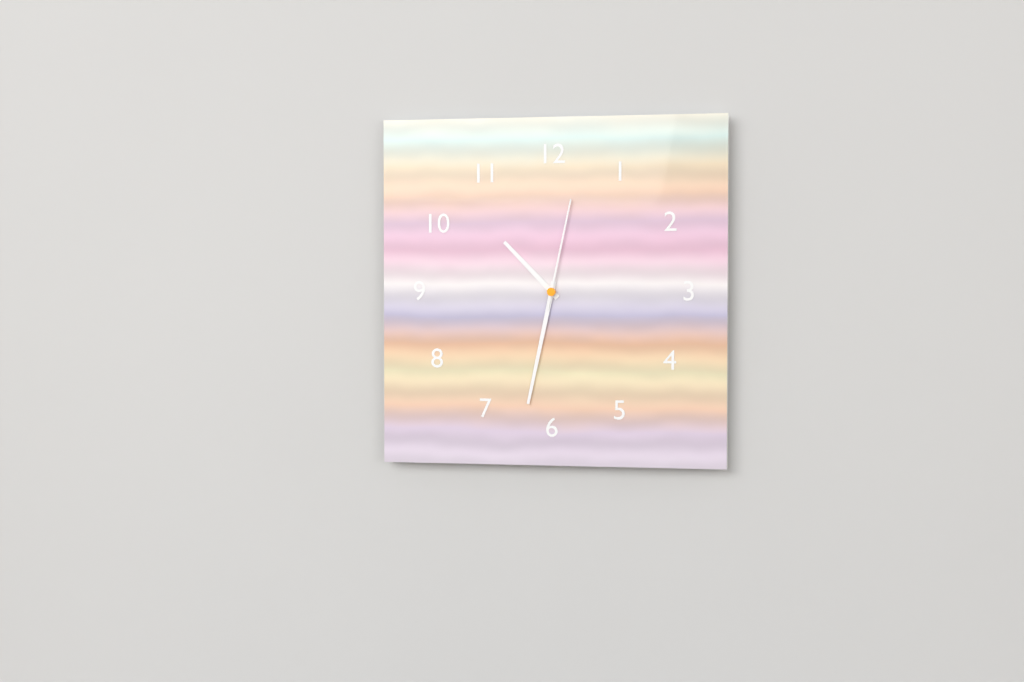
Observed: 10.32.02
